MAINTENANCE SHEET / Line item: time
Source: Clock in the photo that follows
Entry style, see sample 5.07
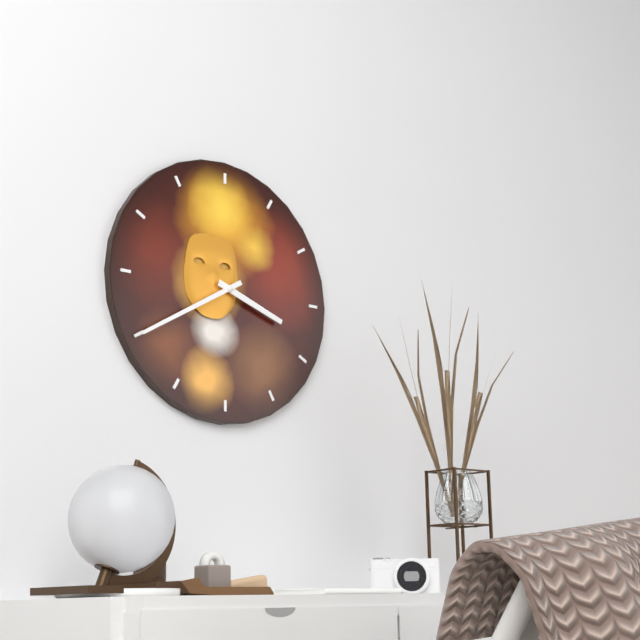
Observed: 3.40
